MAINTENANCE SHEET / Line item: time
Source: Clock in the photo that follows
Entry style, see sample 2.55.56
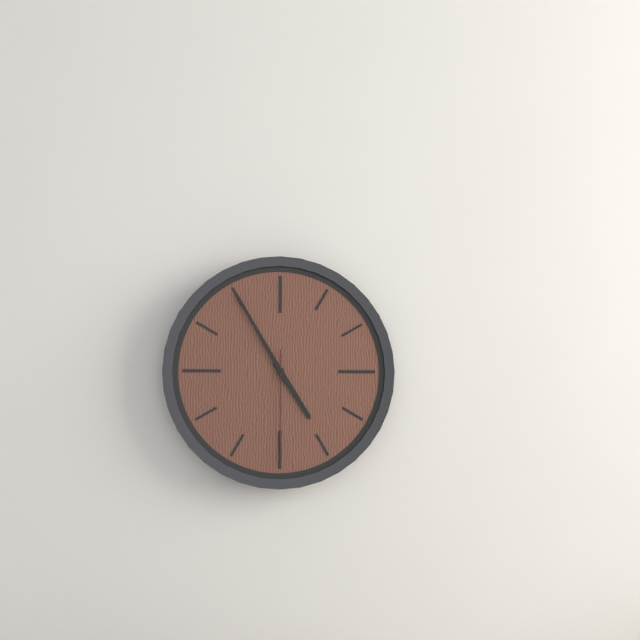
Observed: 4.55.30
